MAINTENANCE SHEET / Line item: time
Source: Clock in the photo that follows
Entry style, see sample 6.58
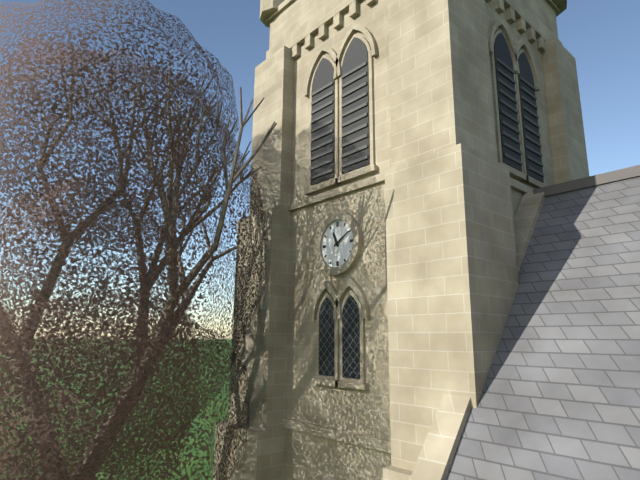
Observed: 11.10
